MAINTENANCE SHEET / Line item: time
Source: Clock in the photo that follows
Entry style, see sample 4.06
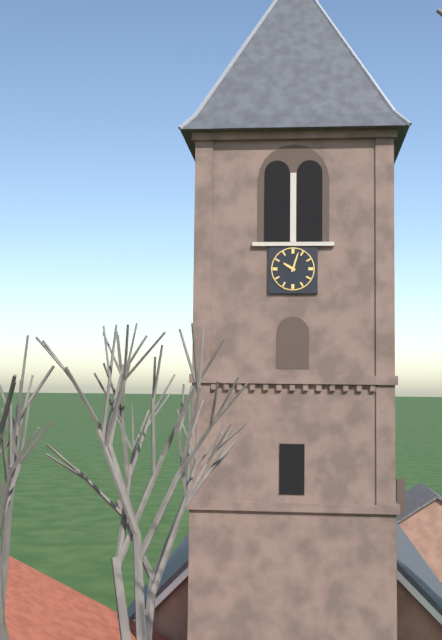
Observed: 10.03
